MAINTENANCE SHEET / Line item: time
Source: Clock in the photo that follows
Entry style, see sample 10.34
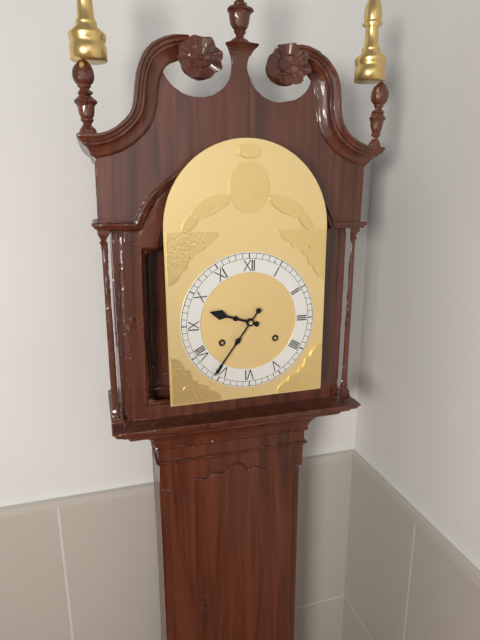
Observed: 9.36
